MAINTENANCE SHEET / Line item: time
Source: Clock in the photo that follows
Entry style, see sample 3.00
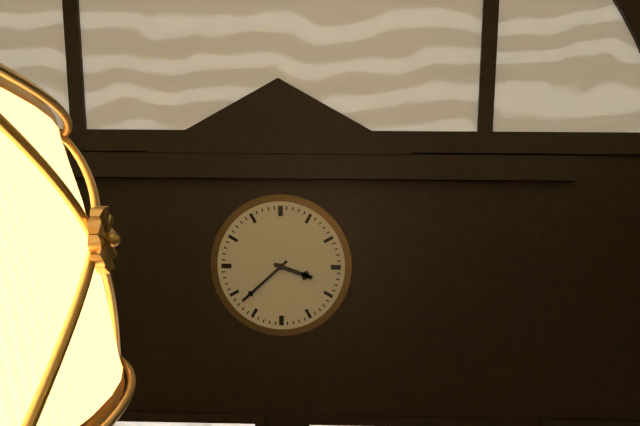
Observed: 3.38
